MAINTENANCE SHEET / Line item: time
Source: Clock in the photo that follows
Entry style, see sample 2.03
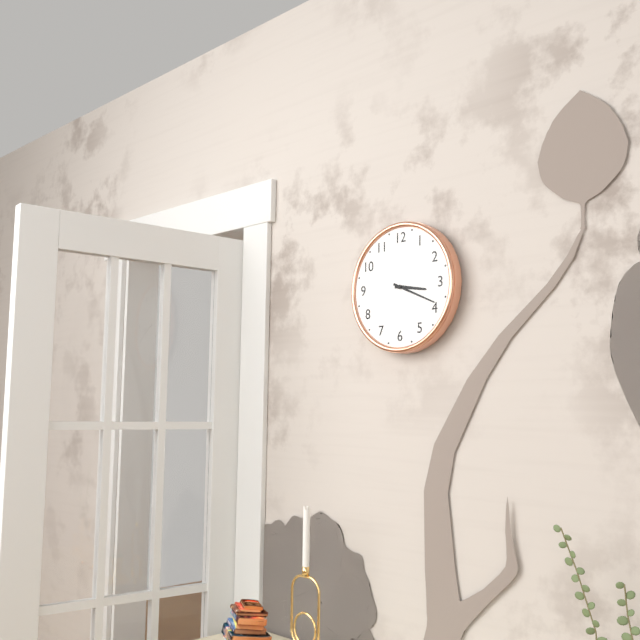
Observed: 3.19
